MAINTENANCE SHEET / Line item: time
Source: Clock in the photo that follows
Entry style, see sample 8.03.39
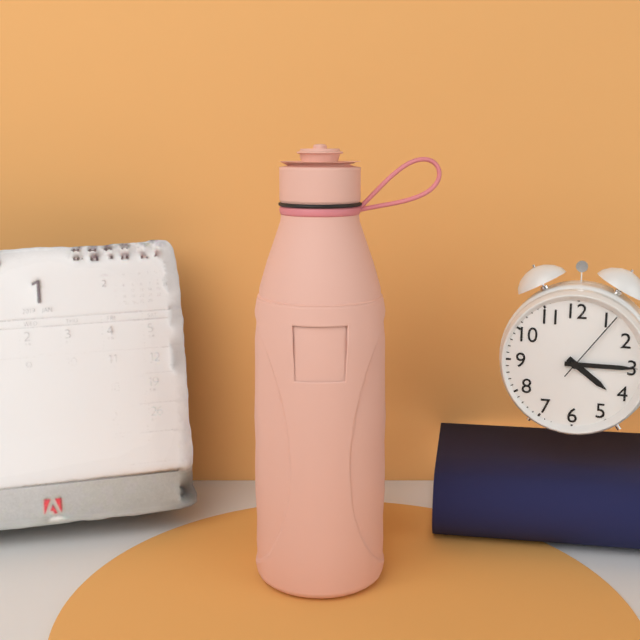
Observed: 4.15.06
